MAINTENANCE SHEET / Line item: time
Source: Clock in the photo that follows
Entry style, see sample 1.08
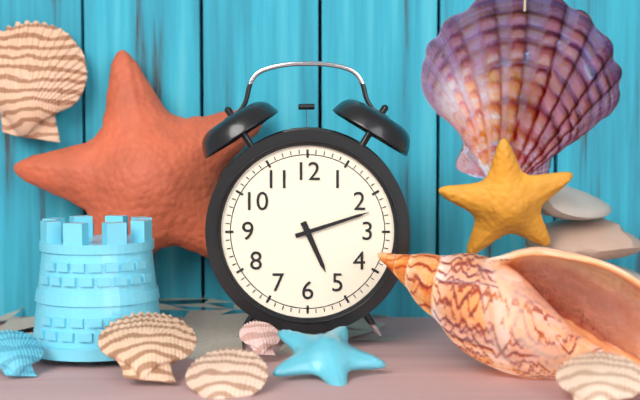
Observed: 5.12
